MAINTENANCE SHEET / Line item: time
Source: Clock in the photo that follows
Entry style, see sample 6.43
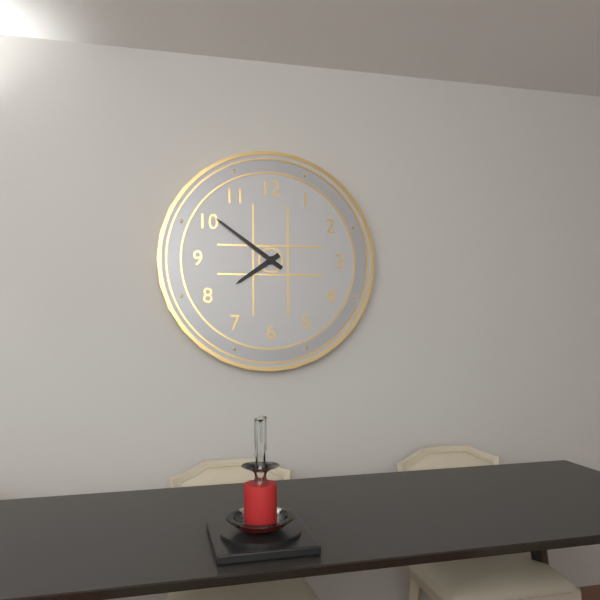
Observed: 7.51
